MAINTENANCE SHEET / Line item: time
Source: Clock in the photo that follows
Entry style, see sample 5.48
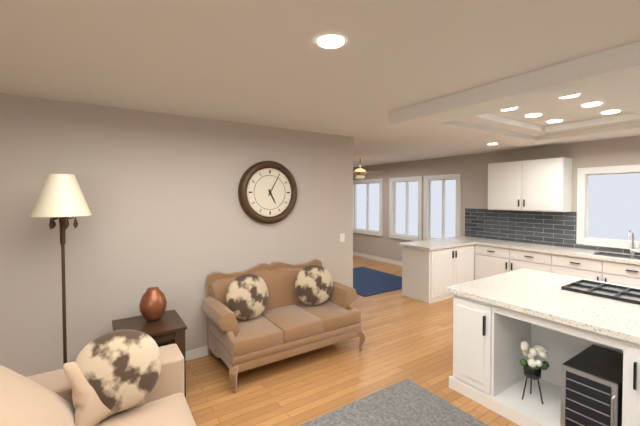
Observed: 5.05
